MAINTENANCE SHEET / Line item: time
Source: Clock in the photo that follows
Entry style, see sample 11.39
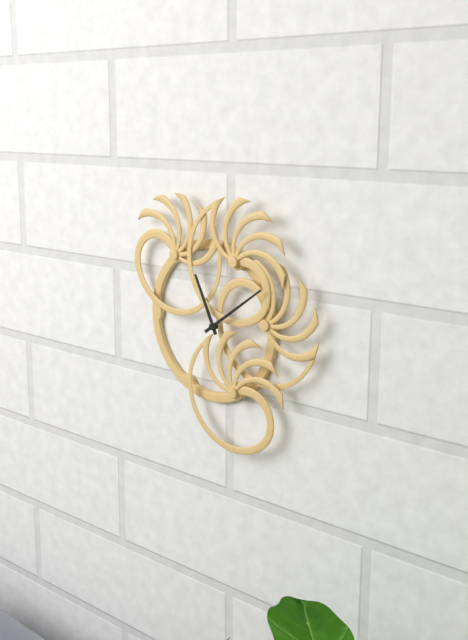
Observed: 11.09
